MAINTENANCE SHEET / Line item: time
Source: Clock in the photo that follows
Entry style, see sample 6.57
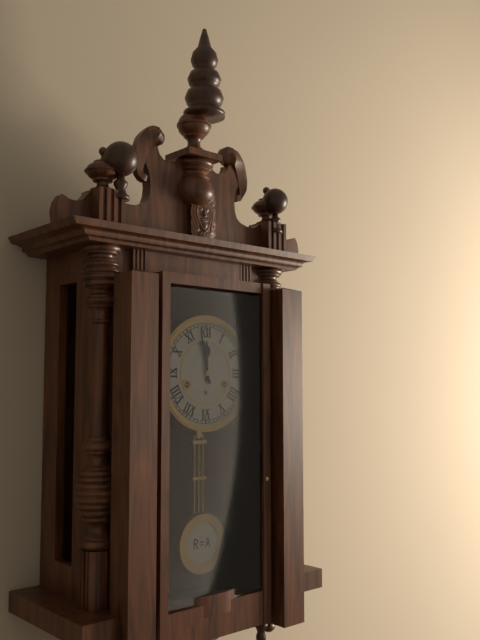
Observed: 11.58
